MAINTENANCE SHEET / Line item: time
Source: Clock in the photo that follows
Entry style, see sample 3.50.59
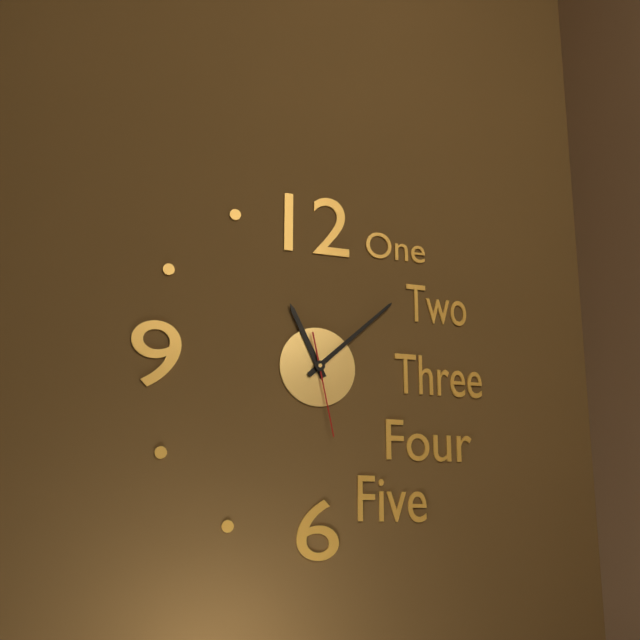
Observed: 11.08.28
